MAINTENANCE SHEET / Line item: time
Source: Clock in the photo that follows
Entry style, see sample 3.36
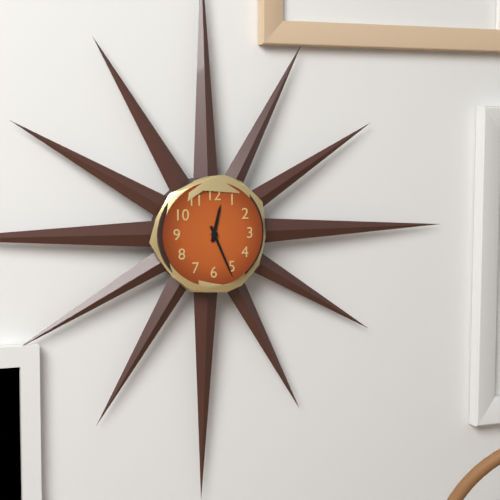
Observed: 12.26
